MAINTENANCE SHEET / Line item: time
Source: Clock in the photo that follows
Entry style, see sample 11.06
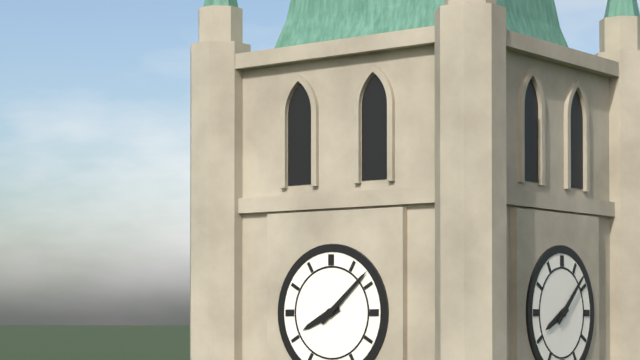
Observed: 8.08
